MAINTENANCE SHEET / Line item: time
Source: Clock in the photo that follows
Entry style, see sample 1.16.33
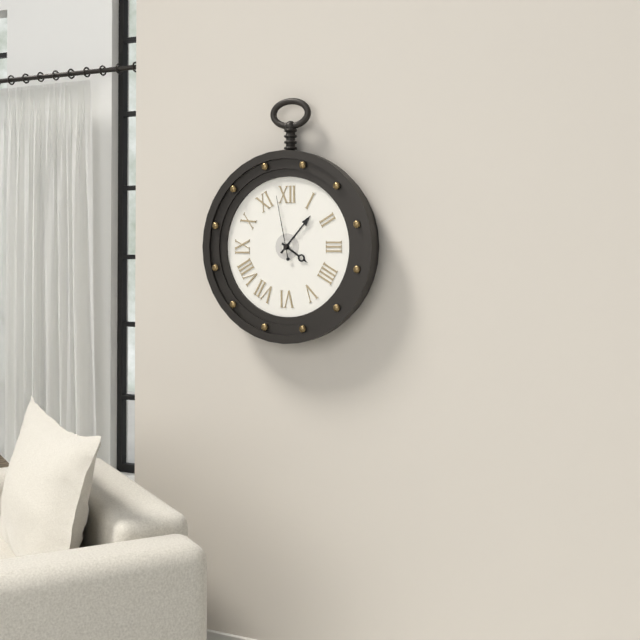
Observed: 4.07.58
